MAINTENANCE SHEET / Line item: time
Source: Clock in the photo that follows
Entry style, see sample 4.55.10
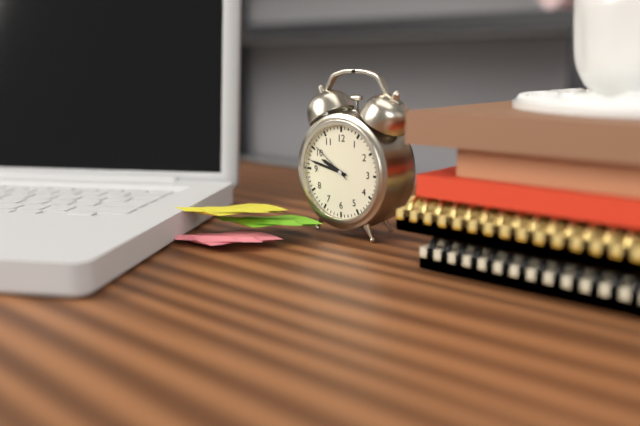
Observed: 9.47.51
